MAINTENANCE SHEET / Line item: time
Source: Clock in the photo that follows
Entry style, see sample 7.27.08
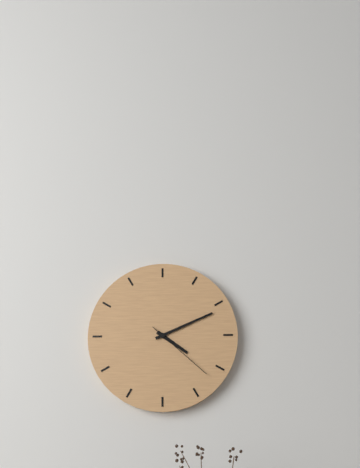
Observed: 4.11.22
